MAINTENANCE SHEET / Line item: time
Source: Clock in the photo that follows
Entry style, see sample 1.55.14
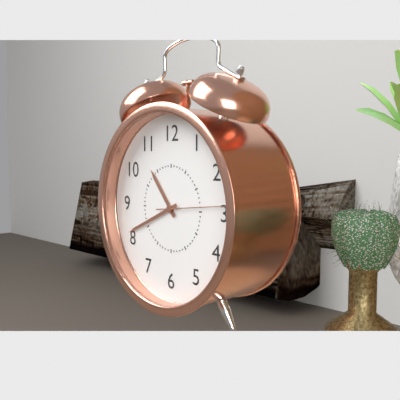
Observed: 10.41.14
